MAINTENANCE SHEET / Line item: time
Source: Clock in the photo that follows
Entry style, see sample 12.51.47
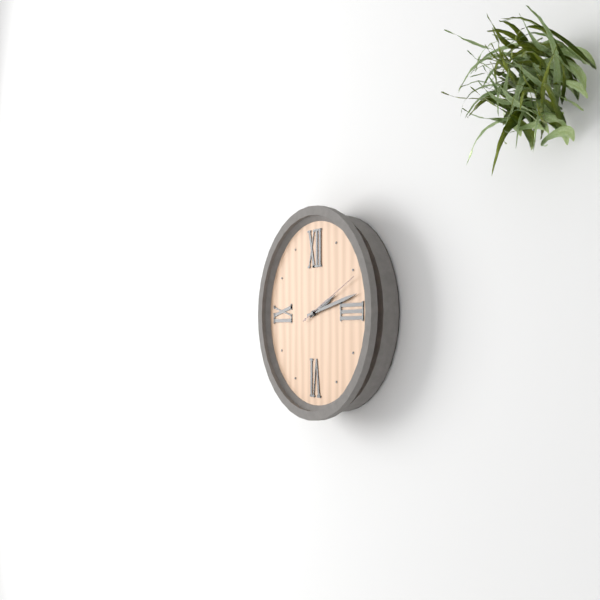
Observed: 2.13.11
